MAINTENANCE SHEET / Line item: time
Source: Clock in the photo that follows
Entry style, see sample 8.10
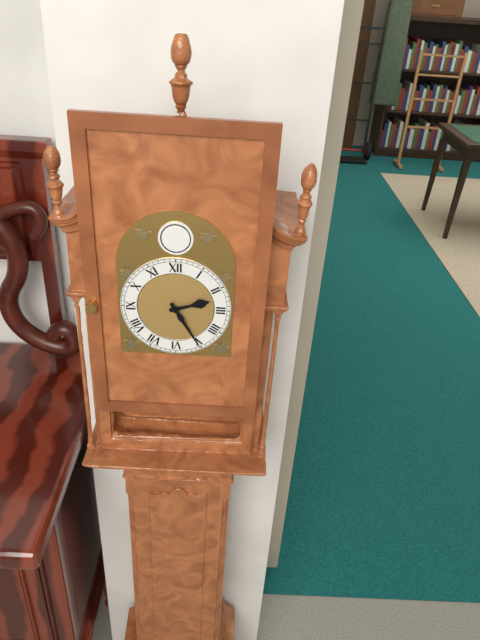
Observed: 2.25
